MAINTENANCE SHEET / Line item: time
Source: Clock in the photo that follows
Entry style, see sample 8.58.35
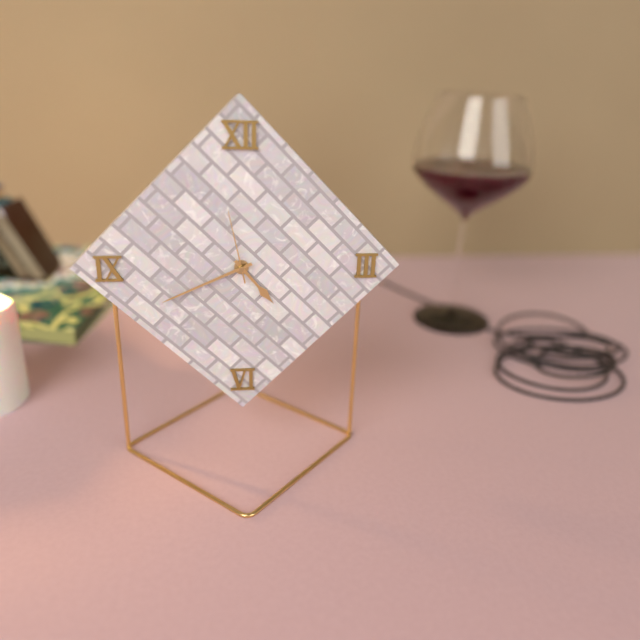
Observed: 4.41.58
